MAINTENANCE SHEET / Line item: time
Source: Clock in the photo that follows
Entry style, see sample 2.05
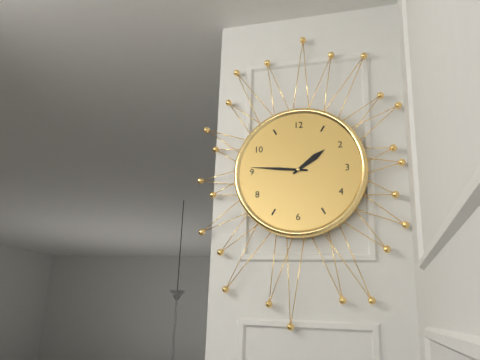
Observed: 1.46
